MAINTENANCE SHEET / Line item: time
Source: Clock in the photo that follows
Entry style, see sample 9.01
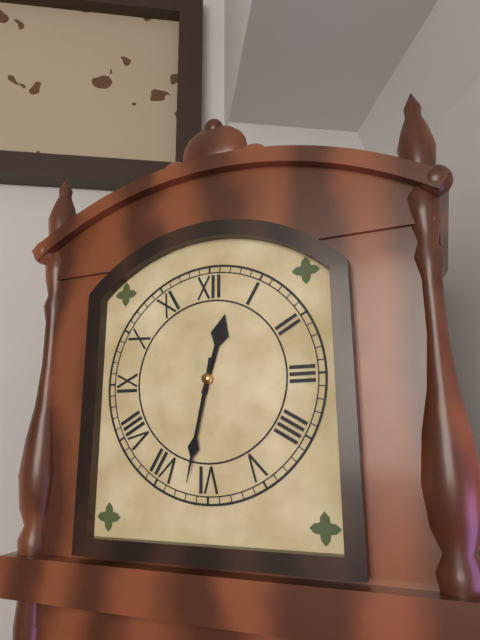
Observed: 12.32
